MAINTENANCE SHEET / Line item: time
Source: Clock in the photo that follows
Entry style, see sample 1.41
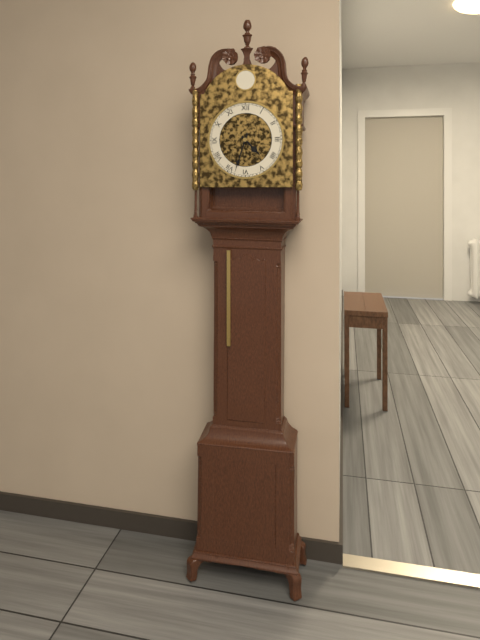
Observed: 4.33
